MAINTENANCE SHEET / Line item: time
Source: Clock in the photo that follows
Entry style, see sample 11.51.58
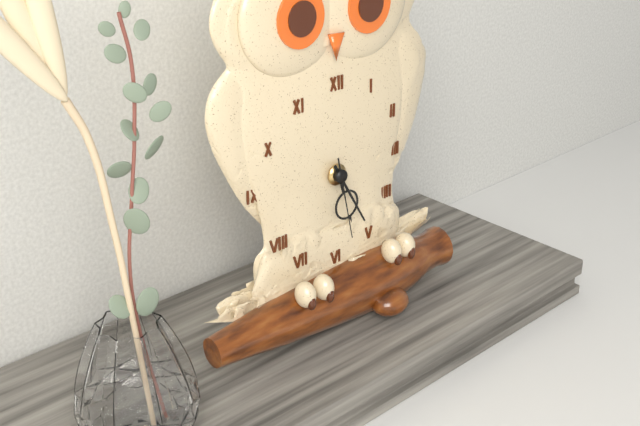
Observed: 5.25.28
